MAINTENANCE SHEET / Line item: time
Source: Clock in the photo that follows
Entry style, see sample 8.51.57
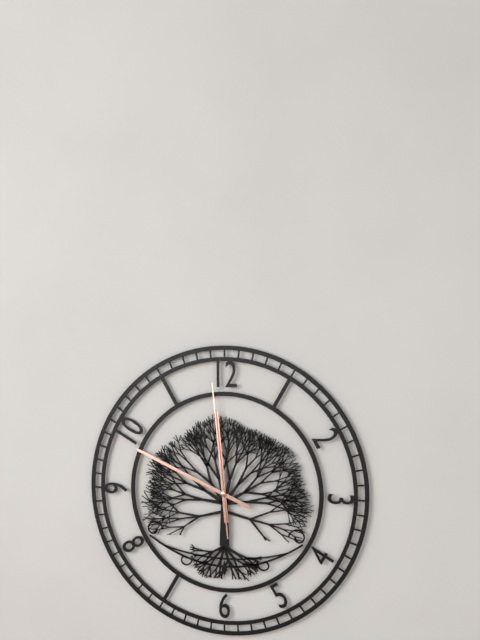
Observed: 11.49.59
